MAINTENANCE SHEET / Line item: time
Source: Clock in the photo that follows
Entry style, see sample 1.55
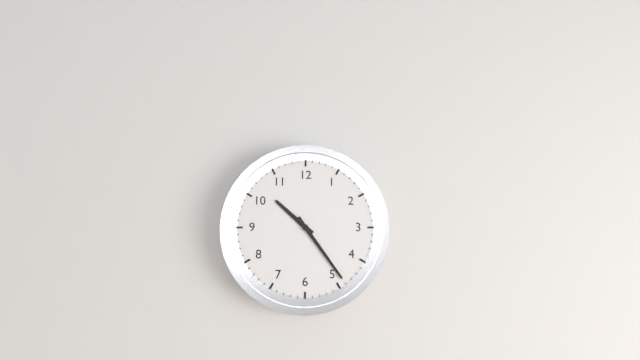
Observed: 10.24
